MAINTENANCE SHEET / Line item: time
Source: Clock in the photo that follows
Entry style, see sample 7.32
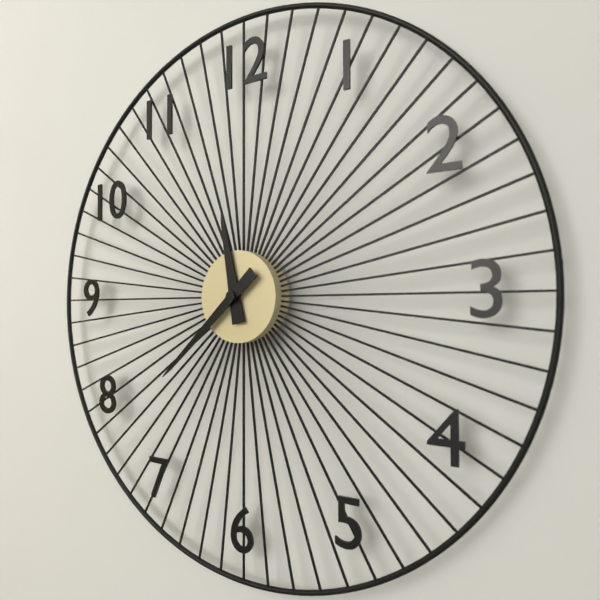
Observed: 11.38
